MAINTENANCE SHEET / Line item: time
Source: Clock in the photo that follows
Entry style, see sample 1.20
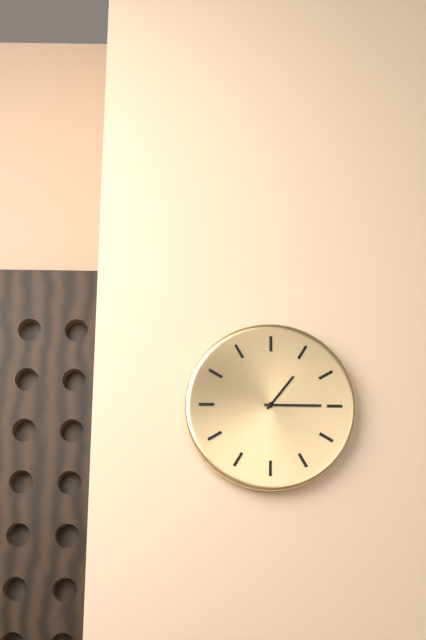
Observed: 1.15
